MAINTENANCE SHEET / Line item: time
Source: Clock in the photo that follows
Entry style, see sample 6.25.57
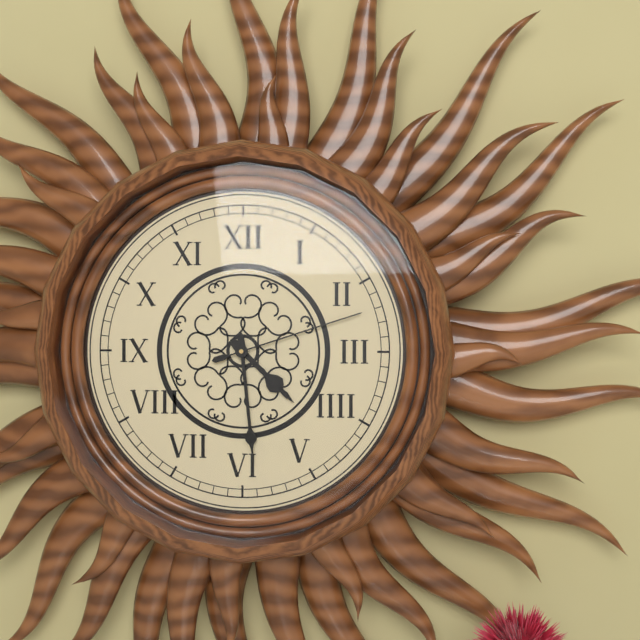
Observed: 4.29.12
